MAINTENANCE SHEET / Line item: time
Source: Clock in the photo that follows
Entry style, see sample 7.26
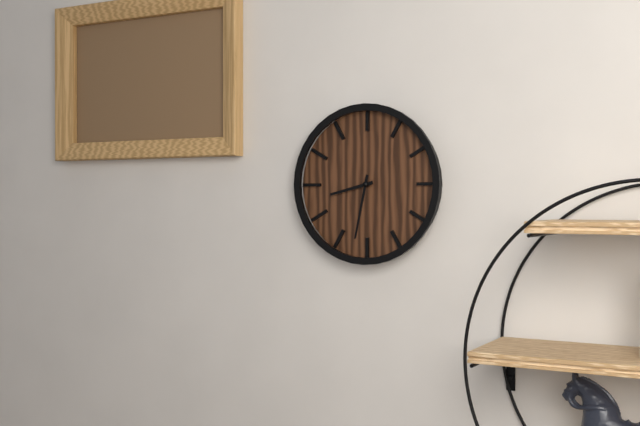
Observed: 8.32
